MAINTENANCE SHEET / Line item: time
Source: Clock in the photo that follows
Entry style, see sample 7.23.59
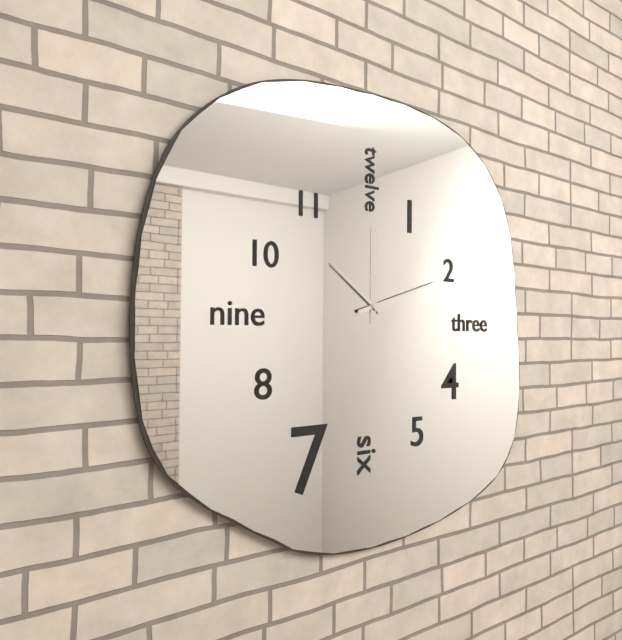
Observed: 10.12.00
